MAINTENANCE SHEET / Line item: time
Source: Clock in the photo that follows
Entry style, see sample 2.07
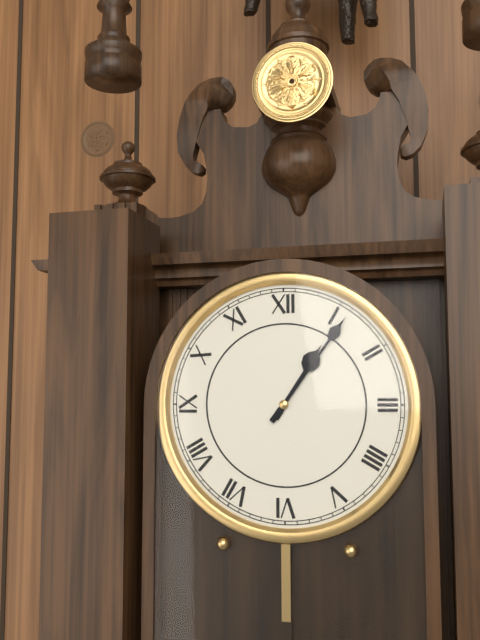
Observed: 1.06
